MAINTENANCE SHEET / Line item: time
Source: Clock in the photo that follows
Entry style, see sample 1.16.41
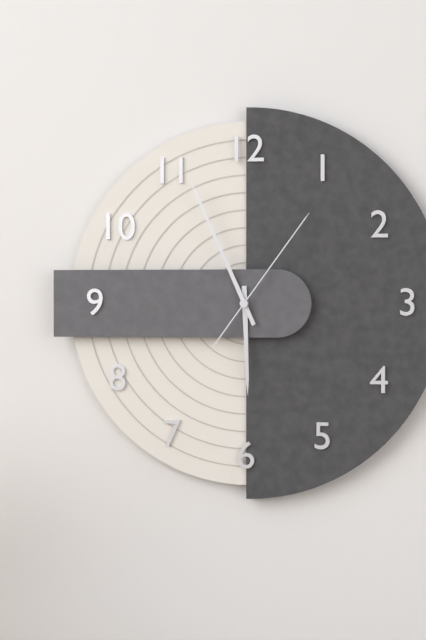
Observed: 5.56.06
